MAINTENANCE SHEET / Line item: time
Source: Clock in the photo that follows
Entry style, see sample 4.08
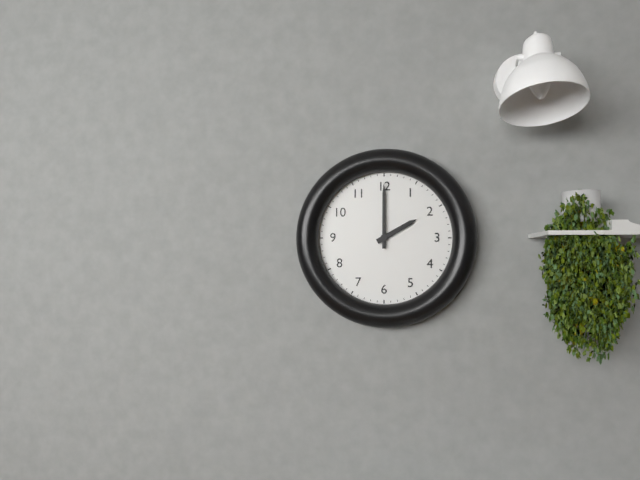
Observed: 2.00
